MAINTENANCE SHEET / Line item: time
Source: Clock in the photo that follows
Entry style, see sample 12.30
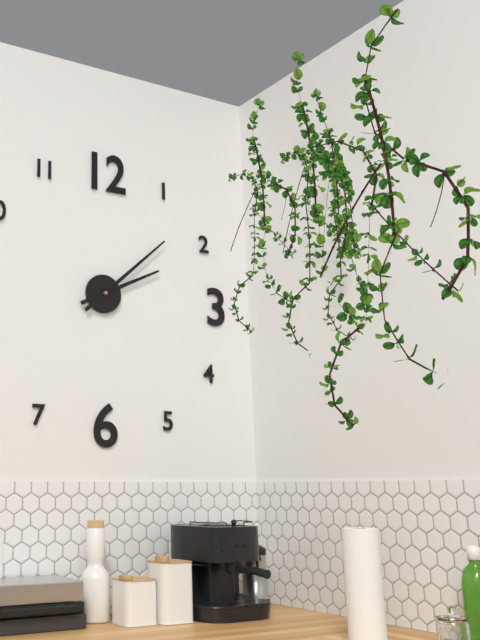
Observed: 2.08
